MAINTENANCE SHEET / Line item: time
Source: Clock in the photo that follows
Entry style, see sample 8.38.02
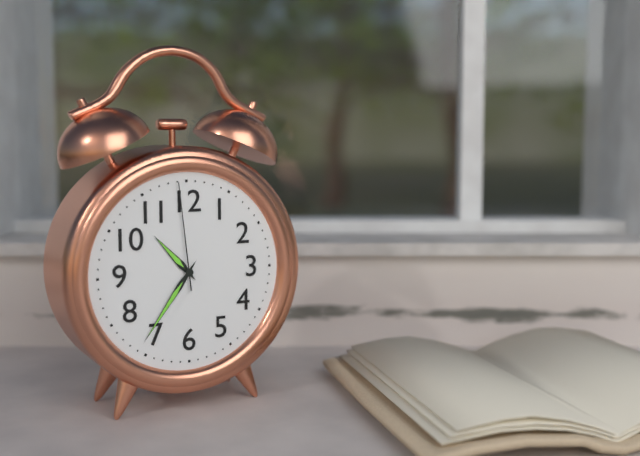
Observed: 10.36.59
